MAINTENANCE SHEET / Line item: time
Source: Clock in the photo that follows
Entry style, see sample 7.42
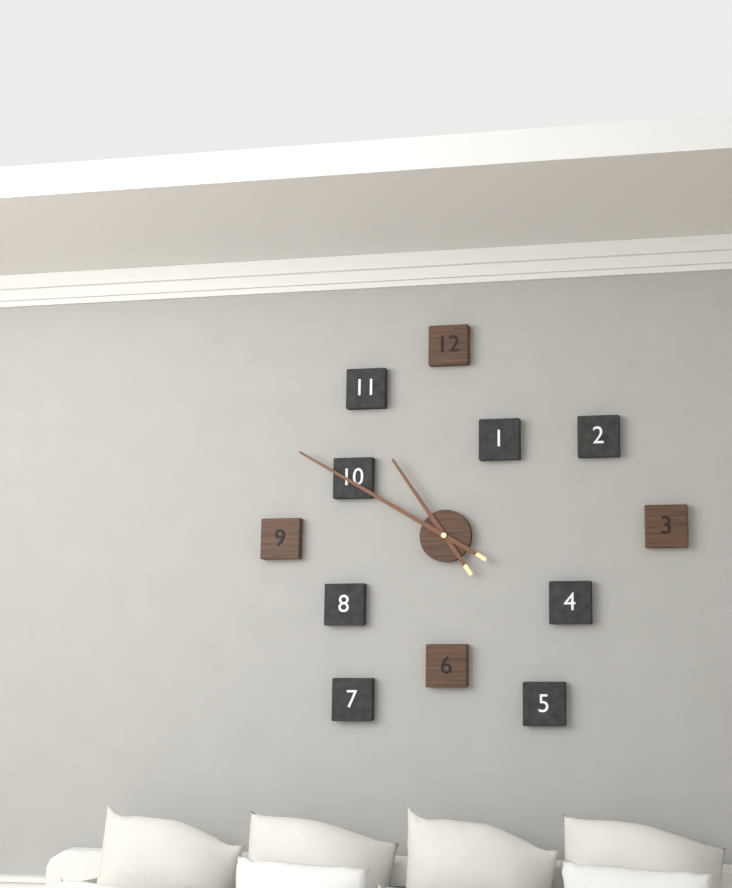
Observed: 10.50
